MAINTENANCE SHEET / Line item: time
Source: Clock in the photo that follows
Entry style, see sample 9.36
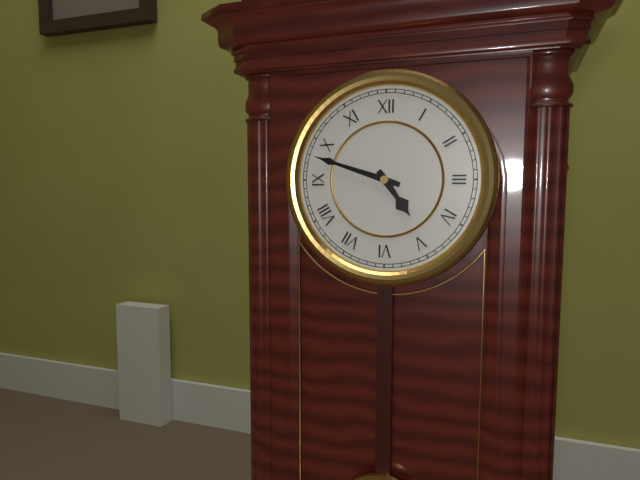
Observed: 4.48
